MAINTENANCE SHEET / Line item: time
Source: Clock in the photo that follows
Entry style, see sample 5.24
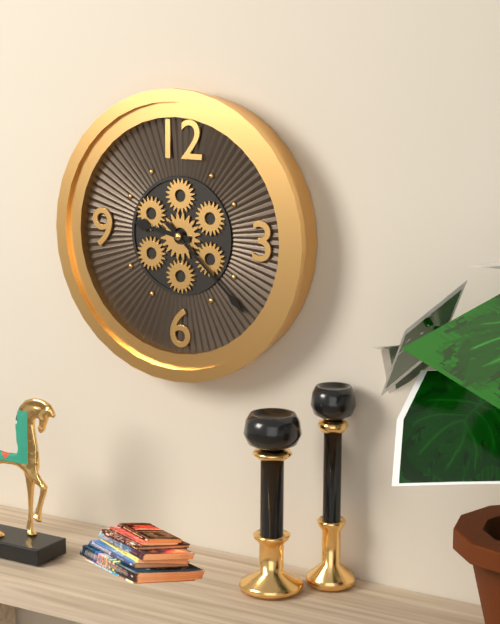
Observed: 9.22
